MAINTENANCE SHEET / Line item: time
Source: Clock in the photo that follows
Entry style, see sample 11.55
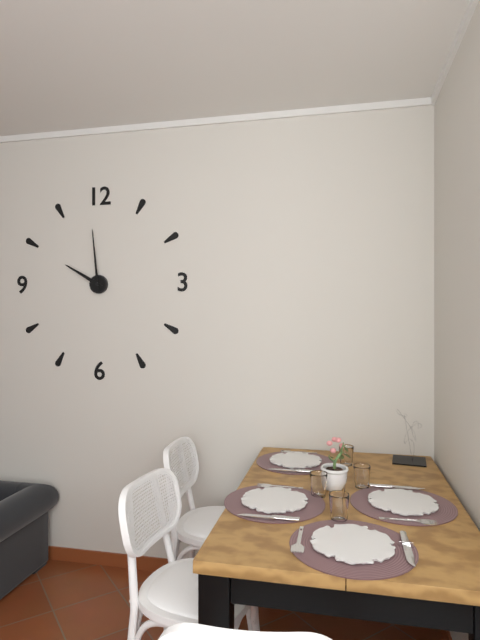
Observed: 9.59
